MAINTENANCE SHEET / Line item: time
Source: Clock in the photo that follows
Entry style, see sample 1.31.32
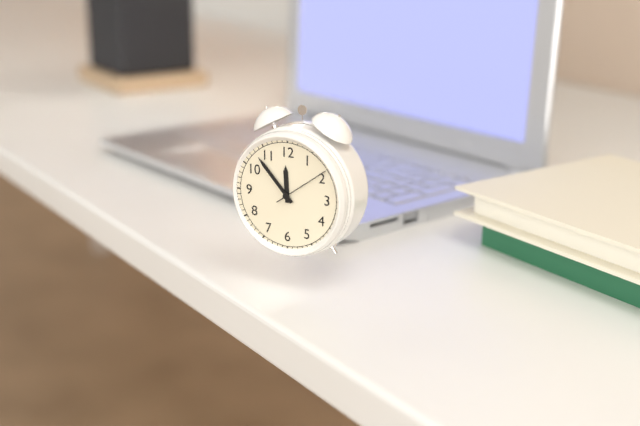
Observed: 11.53.09
